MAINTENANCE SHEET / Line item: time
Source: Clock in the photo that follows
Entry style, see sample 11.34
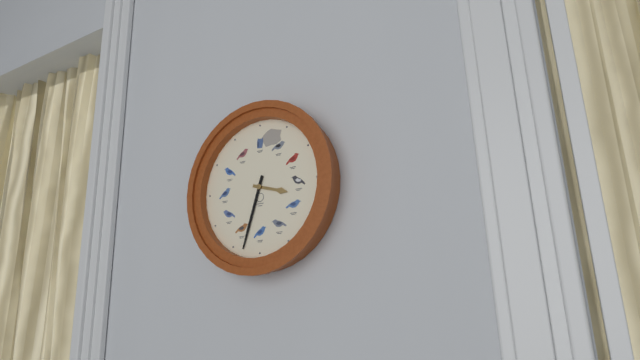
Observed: 3.33
